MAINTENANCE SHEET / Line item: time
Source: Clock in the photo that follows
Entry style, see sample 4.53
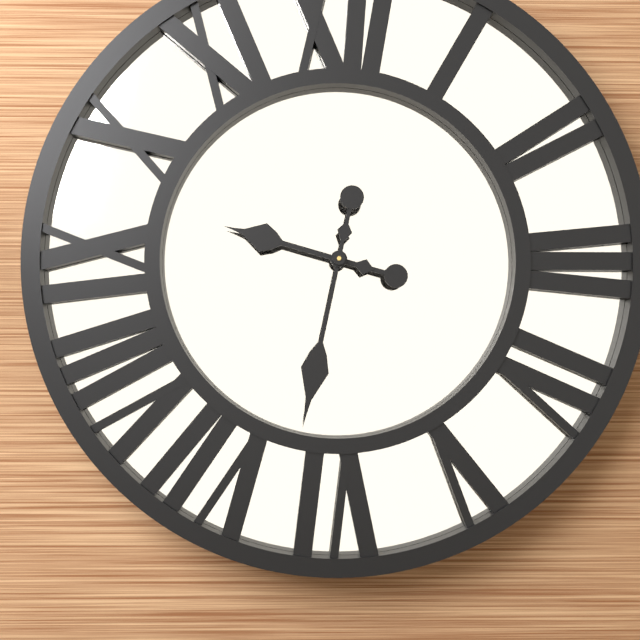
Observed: 9.32
